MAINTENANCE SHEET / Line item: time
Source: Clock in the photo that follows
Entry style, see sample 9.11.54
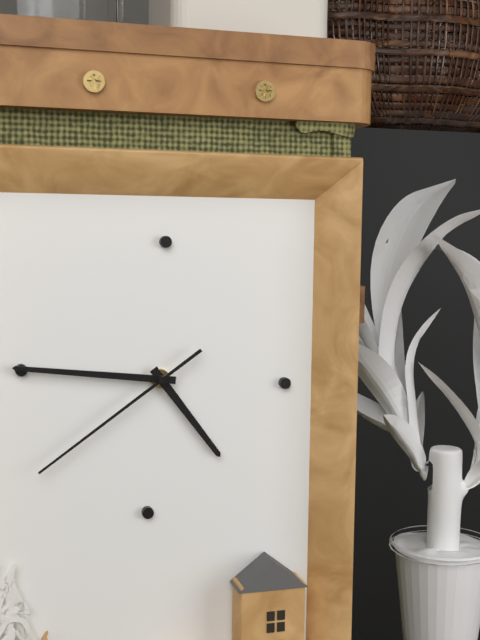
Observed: 4.46.39
